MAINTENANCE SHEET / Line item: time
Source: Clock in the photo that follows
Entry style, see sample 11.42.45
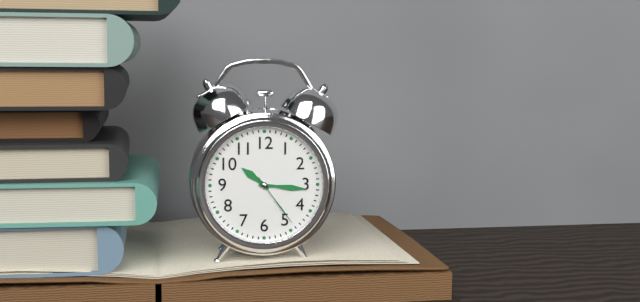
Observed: 10.16.24
